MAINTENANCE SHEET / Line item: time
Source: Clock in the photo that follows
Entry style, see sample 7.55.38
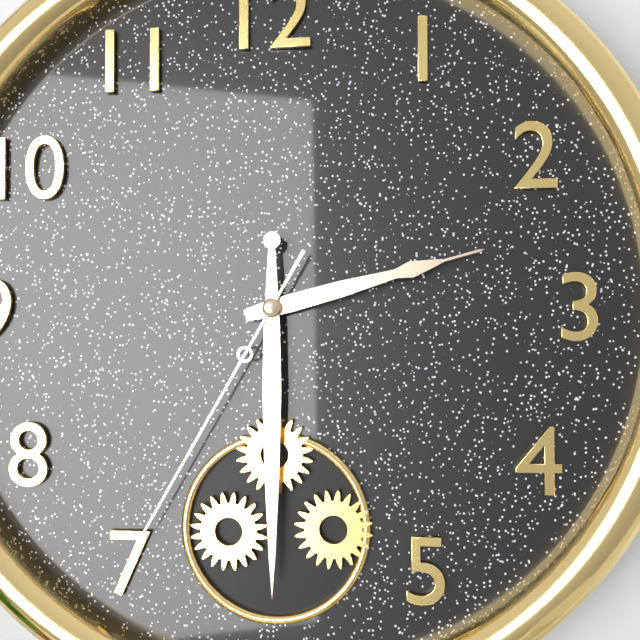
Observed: 2.30.35
